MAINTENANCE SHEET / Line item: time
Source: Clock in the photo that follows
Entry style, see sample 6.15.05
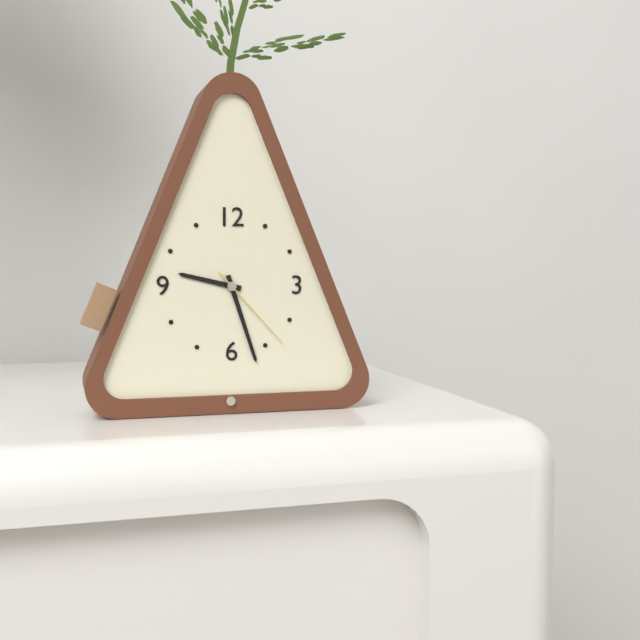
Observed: 9.27.23
